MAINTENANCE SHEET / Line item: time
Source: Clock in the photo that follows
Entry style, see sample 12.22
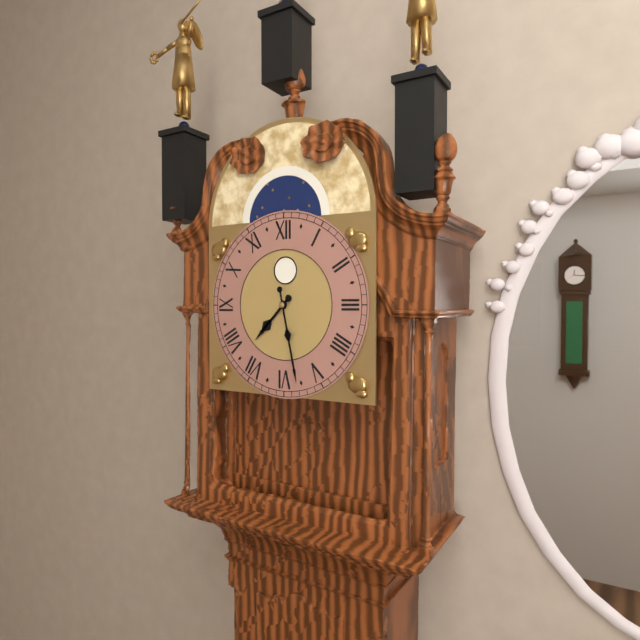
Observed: 7.28
